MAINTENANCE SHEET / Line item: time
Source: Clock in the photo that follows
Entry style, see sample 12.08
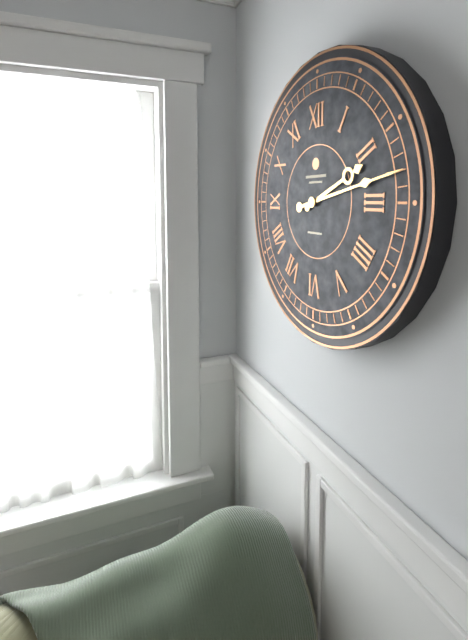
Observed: 2.13
